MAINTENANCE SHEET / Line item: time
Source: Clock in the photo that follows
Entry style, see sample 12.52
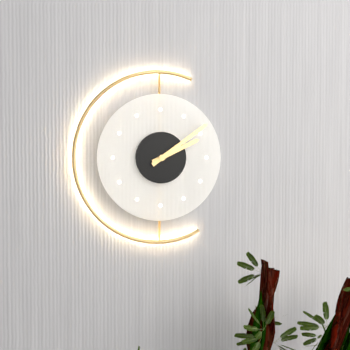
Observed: 2.09
